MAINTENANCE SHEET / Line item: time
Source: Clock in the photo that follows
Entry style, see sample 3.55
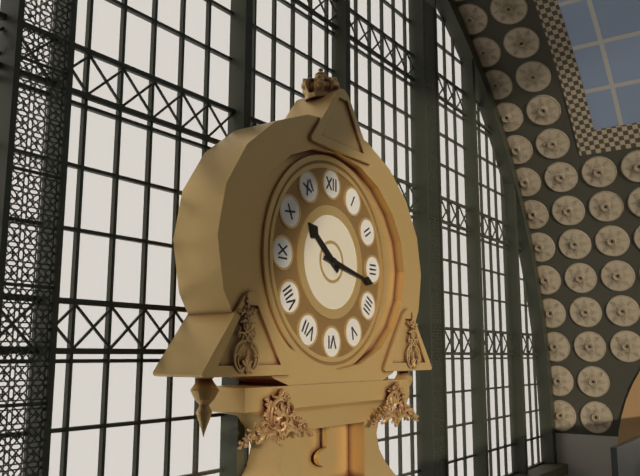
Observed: 10.17
